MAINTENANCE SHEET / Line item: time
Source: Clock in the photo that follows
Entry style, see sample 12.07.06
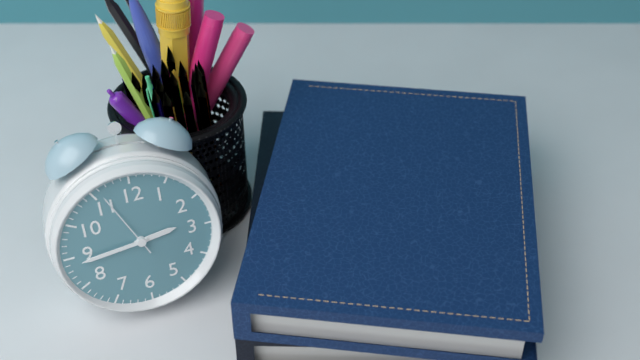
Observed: 2.44.56
